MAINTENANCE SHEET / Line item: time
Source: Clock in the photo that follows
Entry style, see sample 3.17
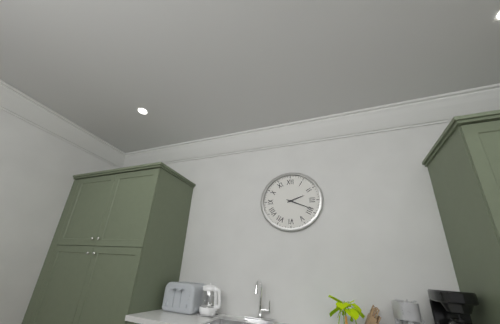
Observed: 2.19
